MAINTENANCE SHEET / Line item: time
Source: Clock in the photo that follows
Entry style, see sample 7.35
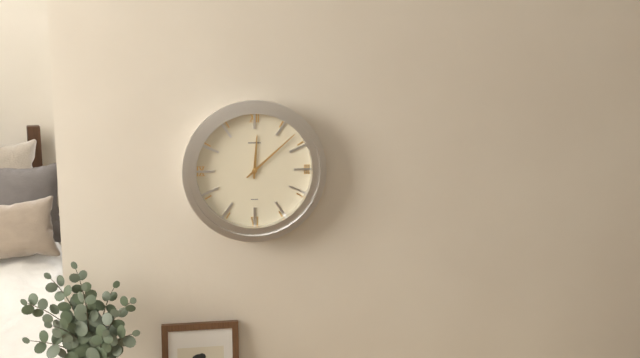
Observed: 12.08
